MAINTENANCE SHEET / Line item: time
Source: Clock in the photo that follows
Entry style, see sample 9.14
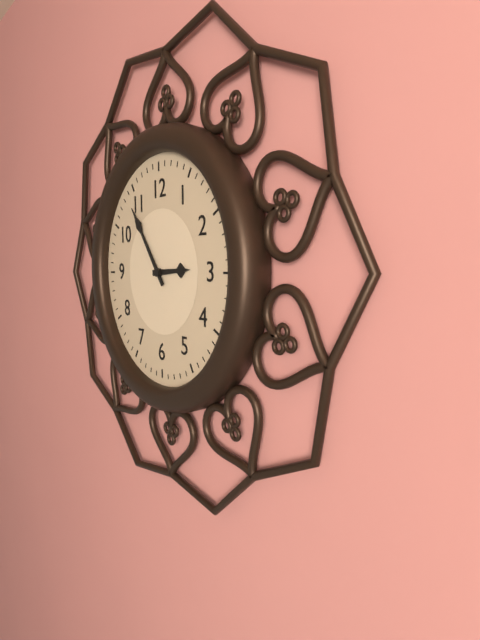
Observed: 2.54
